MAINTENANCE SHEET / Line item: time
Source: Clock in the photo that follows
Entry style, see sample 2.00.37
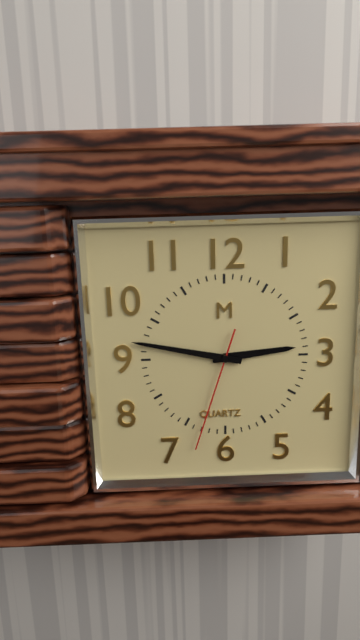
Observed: 2.47.33
